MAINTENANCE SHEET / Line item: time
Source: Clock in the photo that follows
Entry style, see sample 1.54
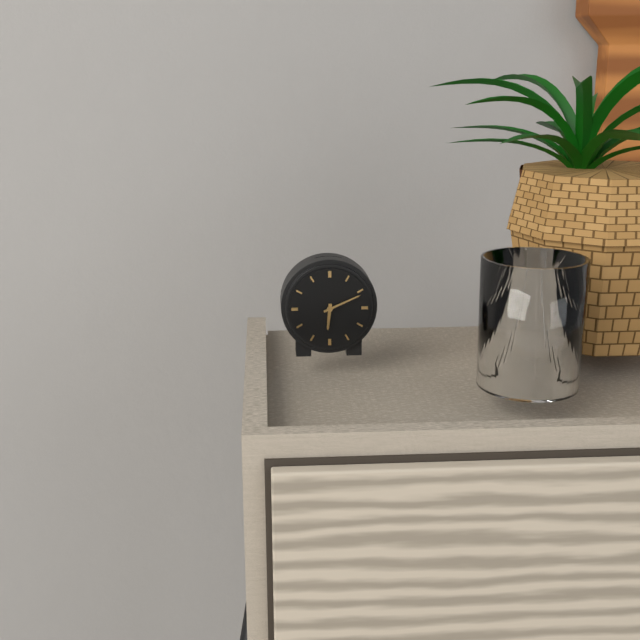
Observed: 6.11
